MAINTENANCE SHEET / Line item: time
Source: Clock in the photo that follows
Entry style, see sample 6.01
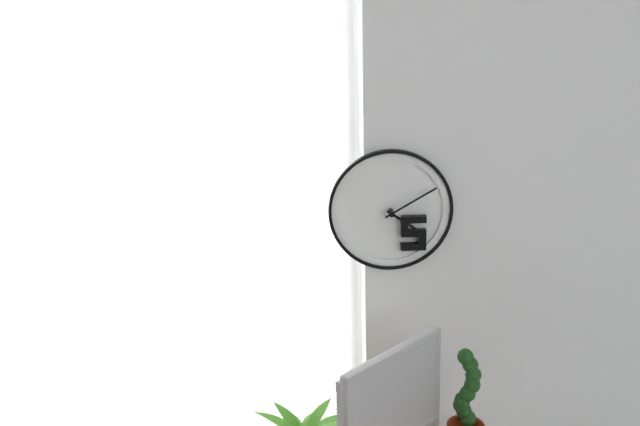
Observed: 4.10
